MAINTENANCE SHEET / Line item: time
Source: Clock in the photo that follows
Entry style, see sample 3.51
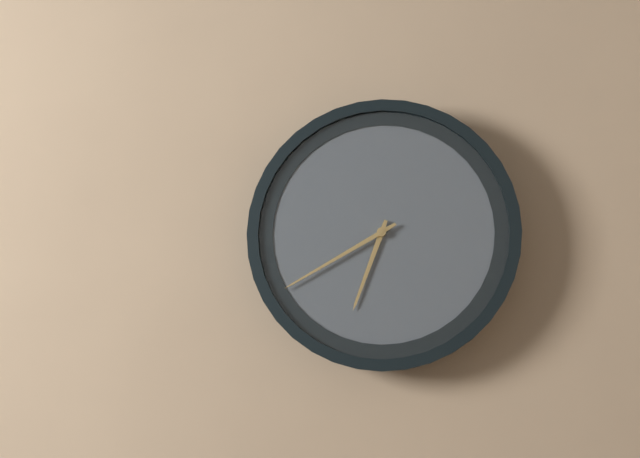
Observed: 6.40
